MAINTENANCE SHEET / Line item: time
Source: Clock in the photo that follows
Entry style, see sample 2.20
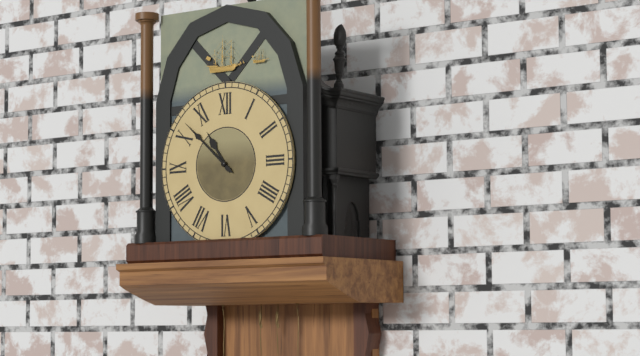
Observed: 10.52
